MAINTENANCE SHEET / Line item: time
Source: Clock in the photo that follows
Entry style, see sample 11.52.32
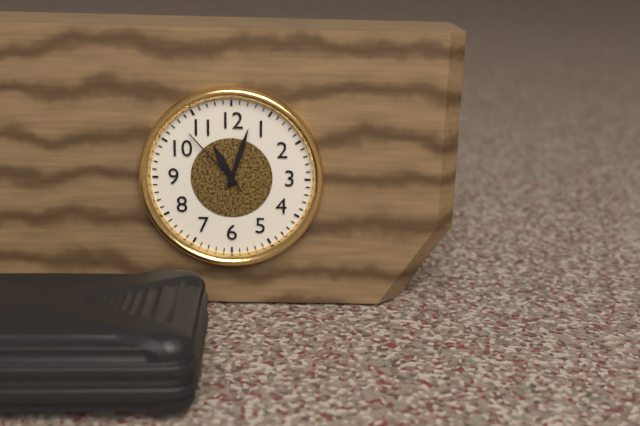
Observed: 11.03.53
